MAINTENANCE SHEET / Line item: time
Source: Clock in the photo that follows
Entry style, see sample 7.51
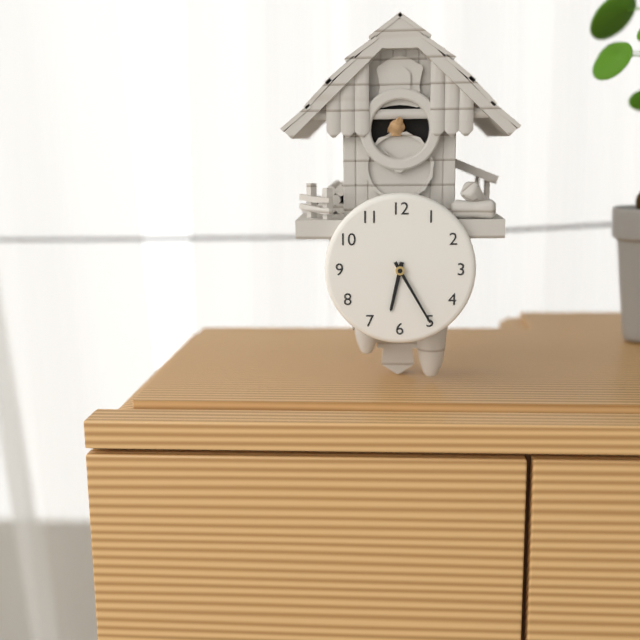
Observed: 6.25
